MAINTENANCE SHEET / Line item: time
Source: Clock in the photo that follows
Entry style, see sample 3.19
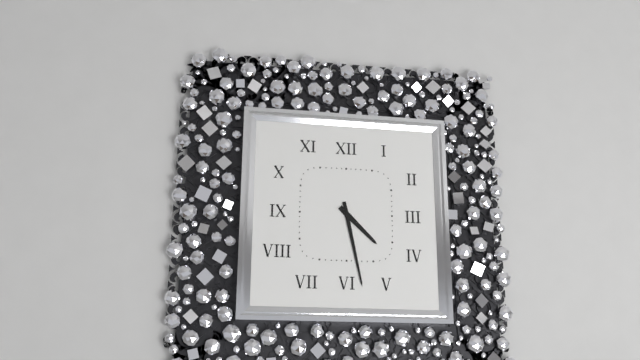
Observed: 4.28
